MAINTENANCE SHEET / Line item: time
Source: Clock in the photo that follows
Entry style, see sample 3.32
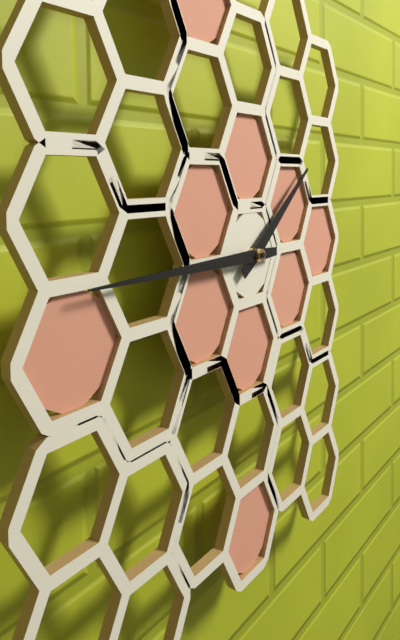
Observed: 1.45
